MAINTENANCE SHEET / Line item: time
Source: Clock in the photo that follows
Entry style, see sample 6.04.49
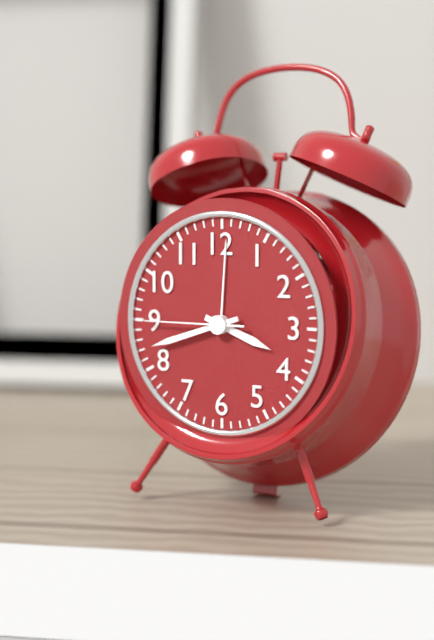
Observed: 3.42.45
